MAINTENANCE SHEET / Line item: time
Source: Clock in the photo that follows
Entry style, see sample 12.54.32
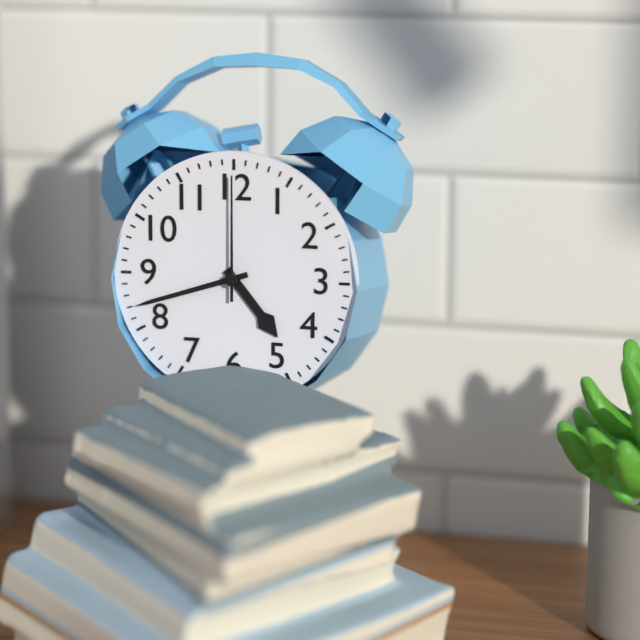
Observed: 4.42.00
